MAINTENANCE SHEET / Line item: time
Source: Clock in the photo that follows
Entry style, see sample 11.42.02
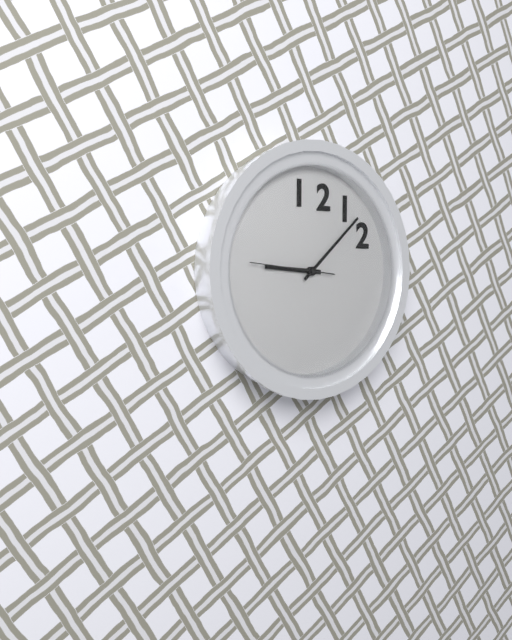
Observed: 9.08.46
